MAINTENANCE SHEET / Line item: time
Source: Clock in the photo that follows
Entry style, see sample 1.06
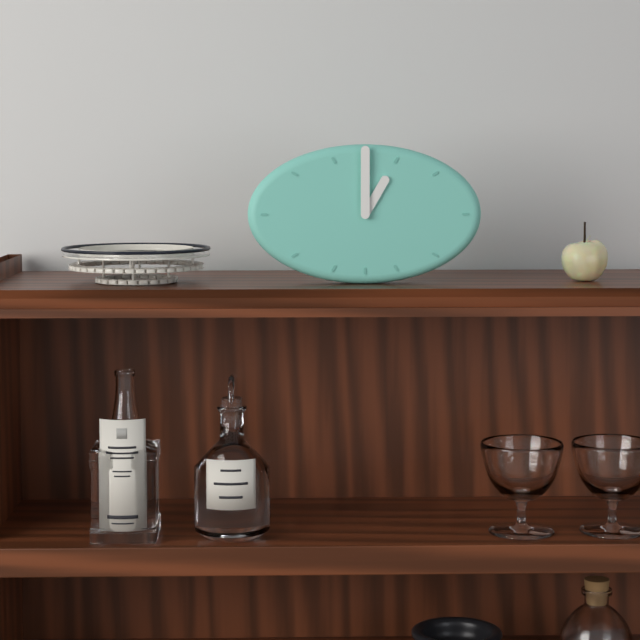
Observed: 1.00
